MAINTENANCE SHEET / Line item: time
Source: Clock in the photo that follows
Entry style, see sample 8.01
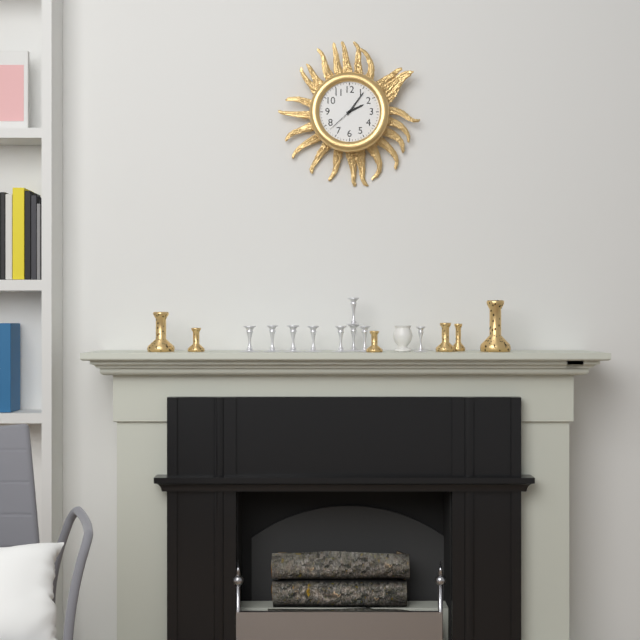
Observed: 2.06
